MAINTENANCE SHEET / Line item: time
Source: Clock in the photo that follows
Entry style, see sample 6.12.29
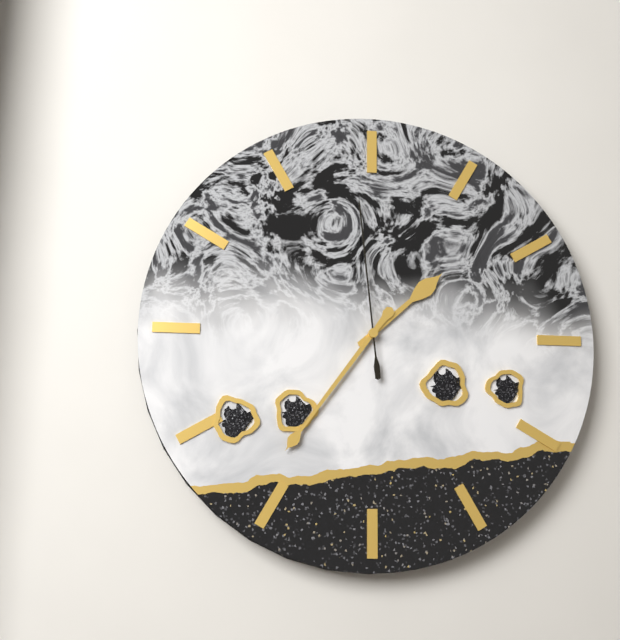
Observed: 1.36.59
